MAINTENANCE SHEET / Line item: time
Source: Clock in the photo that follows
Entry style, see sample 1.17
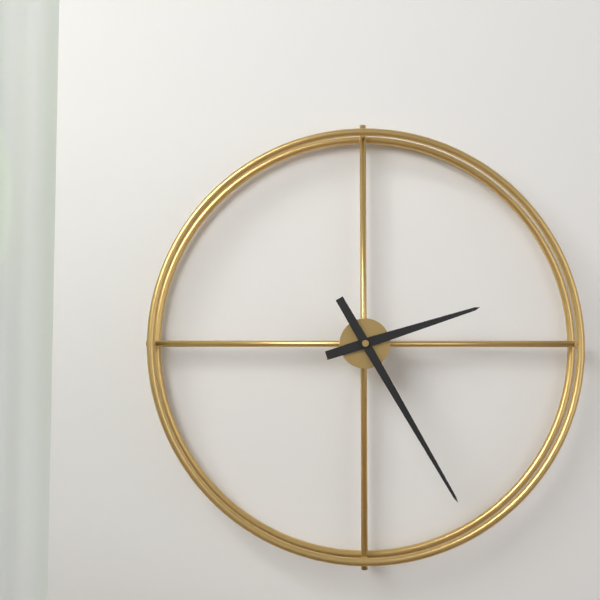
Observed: 2.25
